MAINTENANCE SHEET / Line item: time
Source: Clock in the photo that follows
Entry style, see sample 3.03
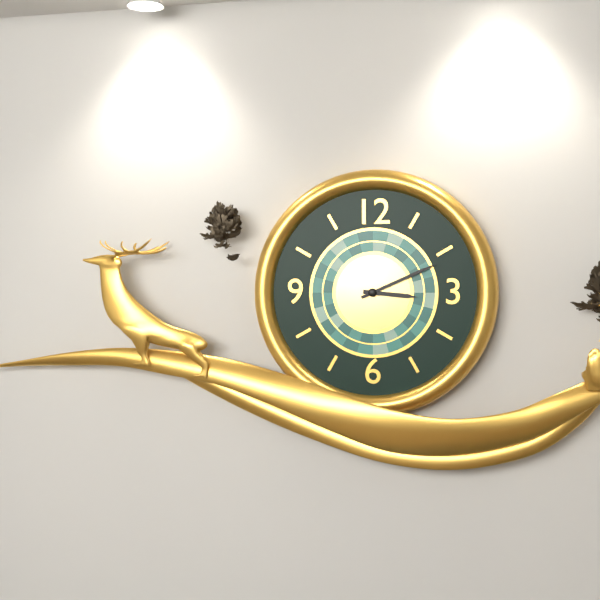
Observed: 3.11
